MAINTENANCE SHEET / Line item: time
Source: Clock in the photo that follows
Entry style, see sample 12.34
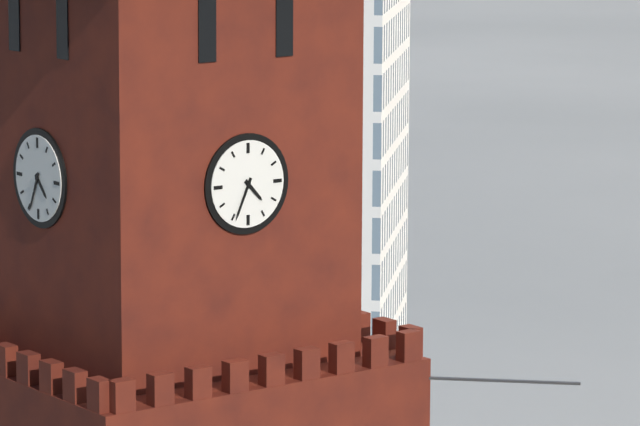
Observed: 4.34
